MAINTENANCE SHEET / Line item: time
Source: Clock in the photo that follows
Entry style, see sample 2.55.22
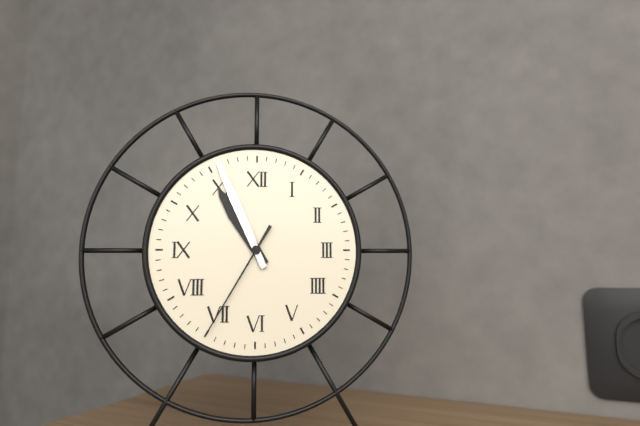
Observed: 10.56.35
